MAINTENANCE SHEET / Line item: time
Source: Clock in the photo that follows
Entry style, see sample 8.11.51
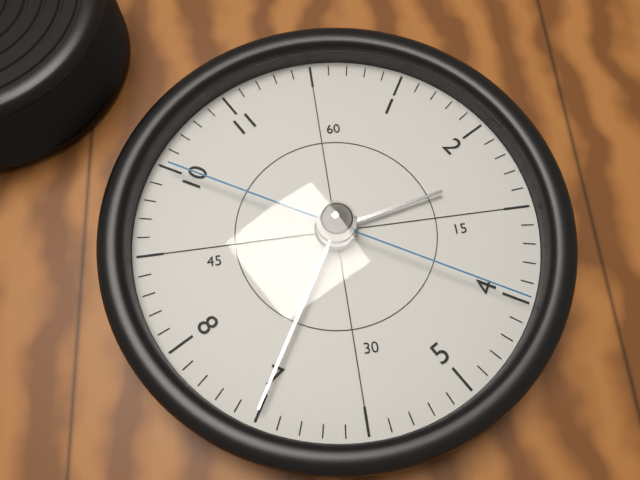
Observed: 2.35.20
